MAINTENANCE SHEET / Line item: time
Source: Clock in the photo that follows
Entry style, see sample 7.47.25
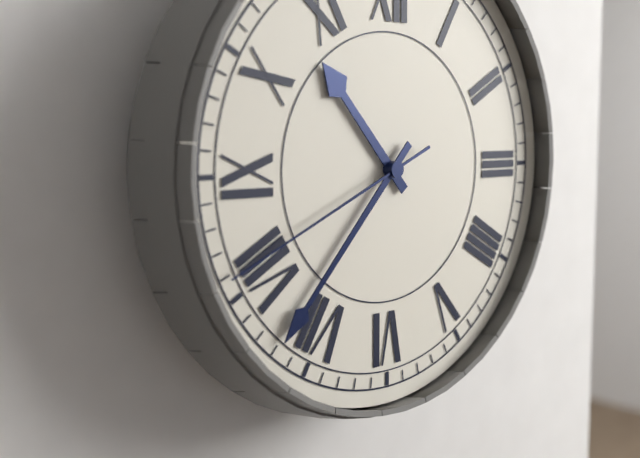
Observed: 10.37.41
